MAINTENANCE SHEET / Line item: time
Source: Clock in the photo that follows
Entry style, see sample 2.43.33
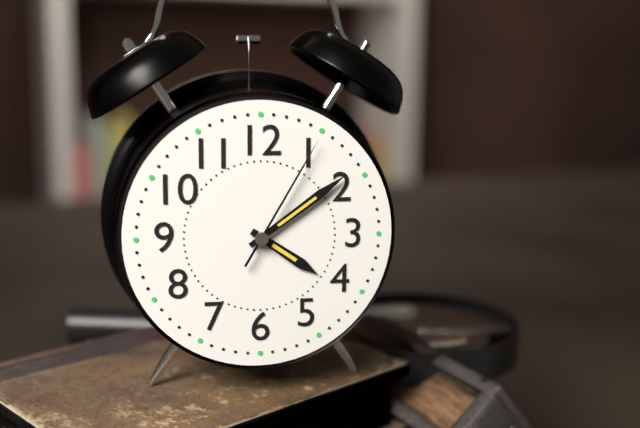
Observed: 4.09.05
